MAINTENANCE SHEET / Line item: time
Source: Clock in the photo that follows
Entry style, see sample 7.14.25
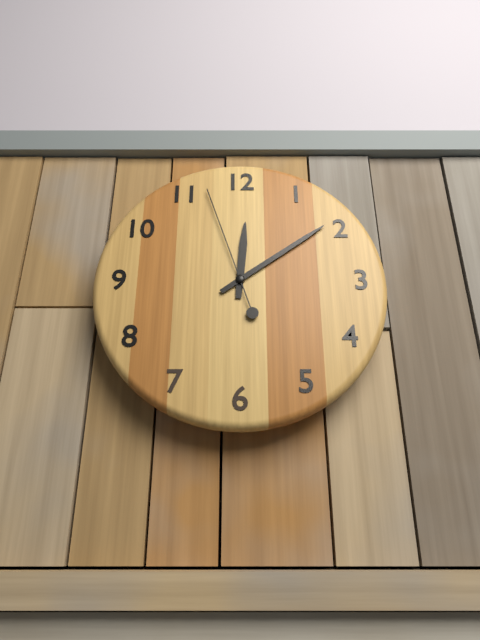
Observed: 12.09.57
